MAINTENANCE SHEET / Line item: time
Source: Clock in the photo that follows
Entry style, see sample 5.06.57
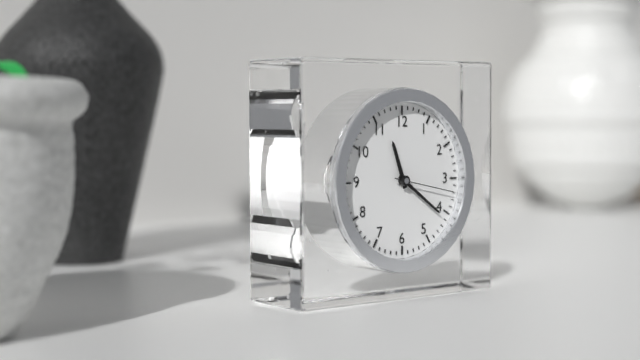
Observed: 11.21.17
